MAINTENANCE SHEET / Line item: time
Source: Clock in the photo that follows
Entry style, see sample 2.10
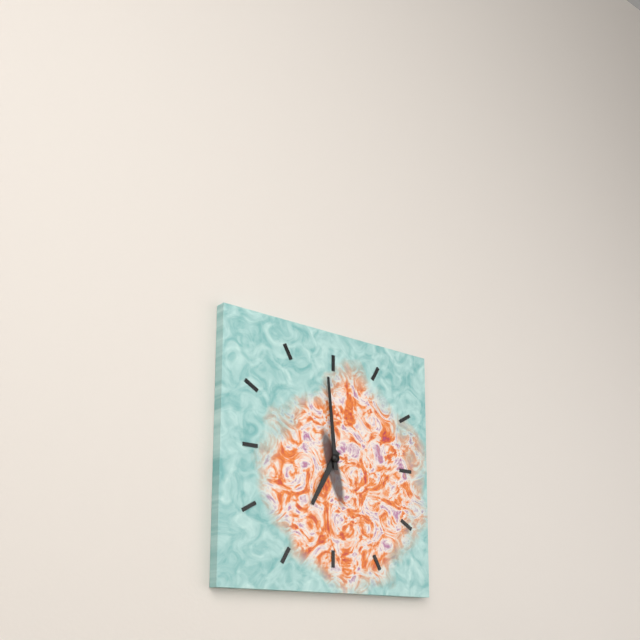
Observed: 6.59
